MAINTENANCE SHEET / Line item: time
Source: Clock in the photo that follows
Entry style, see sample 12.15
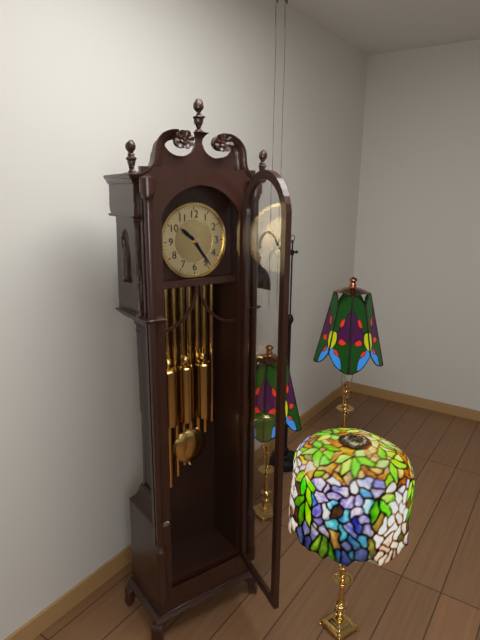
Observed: 10.24
